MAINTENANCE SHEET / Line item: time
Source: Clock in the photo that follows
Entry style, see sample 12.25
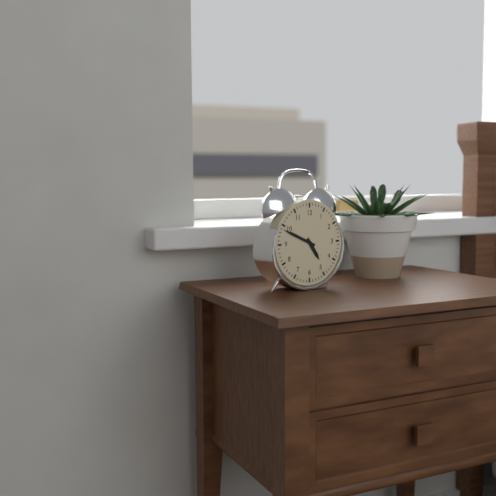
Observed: 4.49
